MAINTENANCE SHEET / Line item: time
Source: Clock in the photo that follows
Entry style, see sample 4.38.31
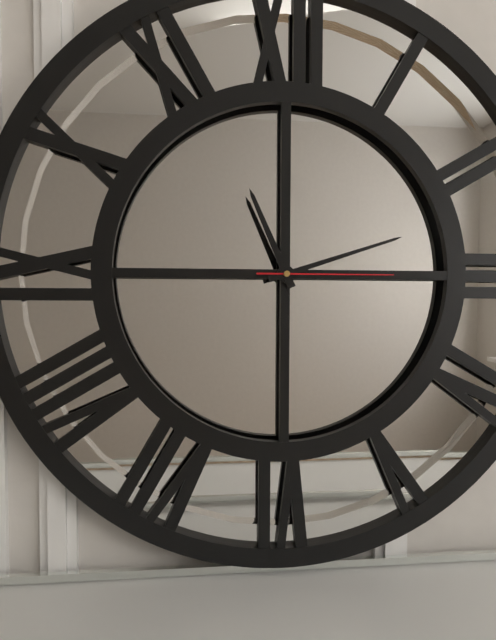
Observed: 11.12.15
